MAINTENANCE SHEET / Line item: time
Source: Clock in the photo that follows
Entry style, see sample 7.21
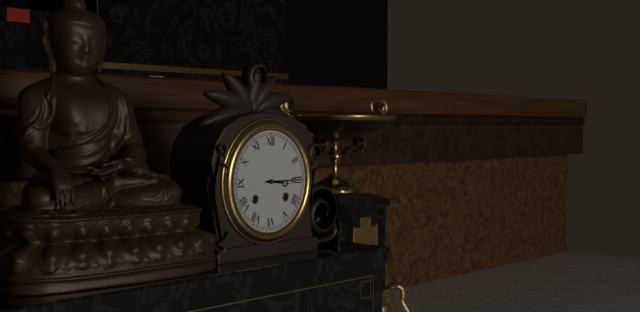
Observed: 3.15
